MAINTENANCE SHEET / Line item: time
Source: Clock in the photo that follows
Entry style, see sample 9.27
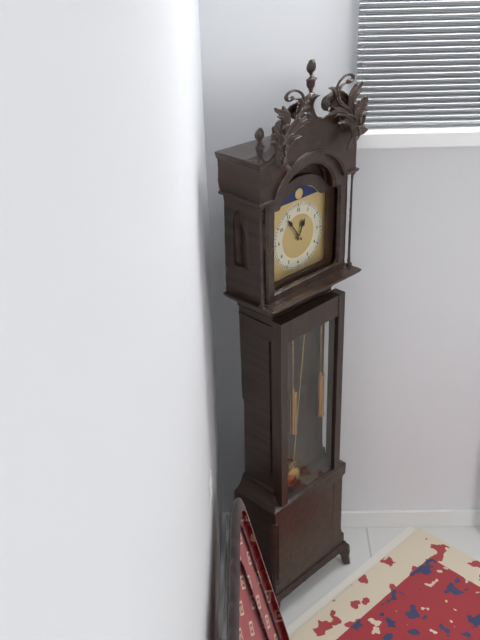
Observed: 12.54
